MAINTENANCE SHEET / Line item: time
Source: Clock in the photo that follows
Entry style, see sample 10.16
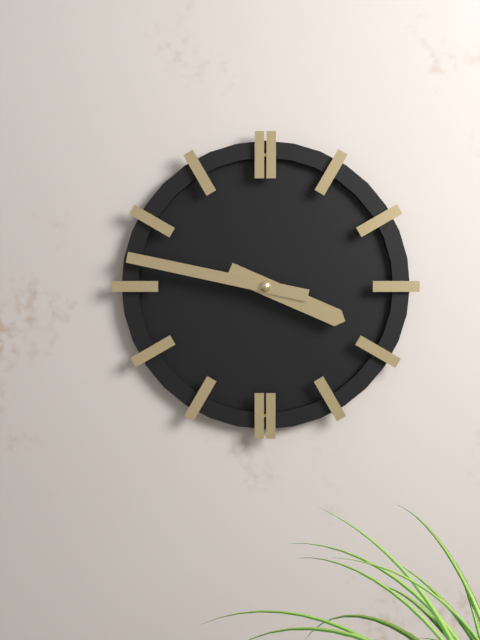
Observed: 3.47
